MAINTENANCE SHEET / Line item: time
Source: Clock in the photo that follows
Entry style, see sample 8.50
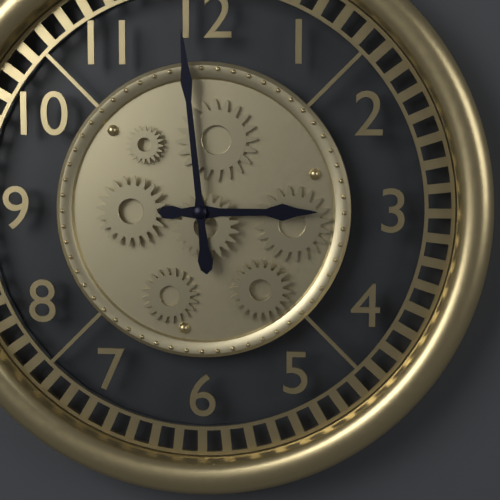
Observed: 2.59
